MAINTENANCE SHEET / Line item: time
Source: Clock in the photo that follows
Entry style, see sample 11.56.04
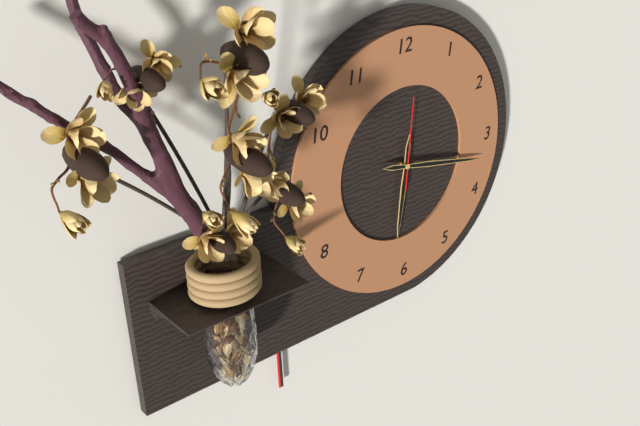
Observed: 6.17.01
